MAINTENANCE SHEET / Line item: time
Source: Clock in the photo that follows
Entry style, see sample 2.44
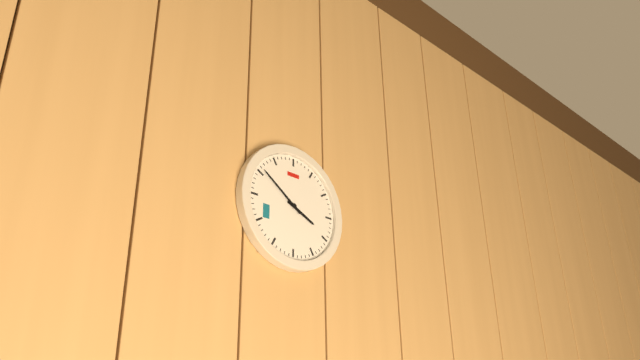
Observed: 3.51
